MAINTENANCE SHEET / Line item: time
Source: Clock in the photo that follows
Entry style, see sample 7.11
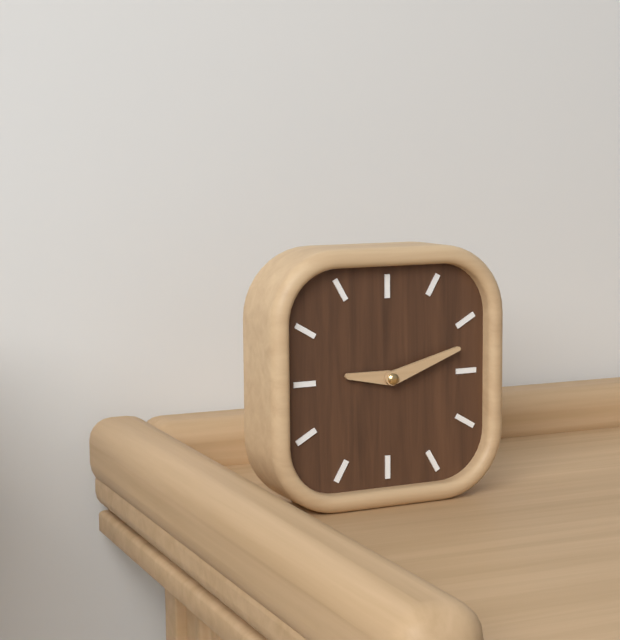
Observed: 9.12
